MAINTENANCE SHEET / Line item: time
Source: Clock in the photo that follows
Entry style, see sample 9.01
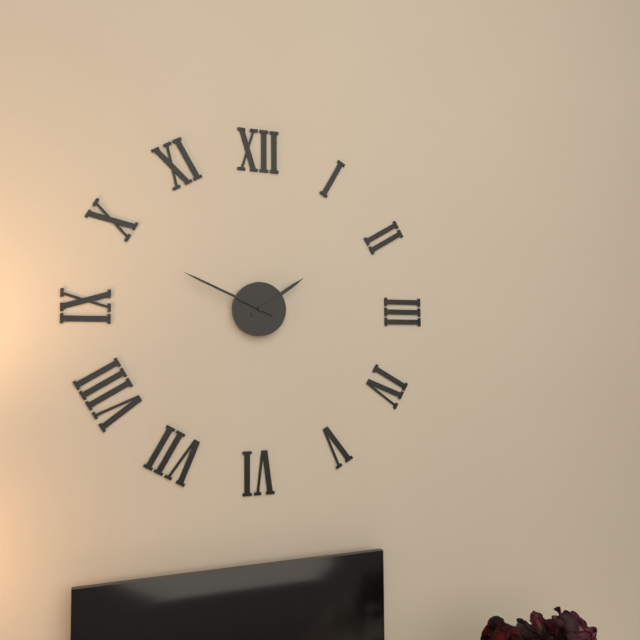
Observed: 1.49
